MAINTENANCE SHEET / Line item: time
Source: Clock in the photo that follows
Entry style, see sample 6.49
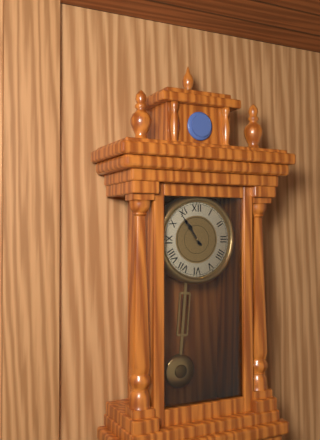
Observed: 10.54
